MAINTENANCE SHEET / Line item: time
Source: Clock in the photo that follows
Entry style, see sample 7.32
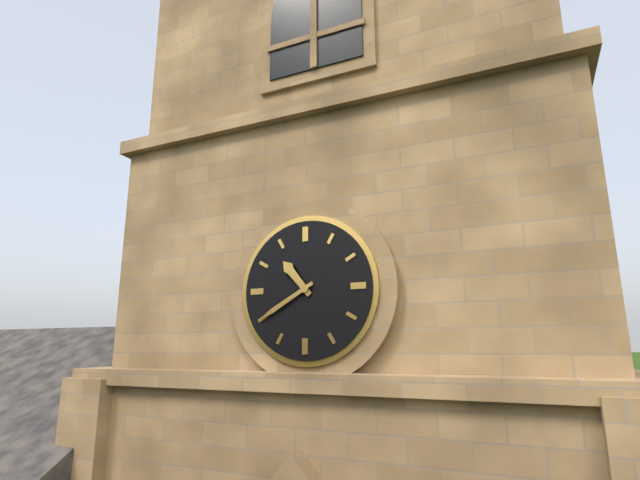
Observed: 10.40
